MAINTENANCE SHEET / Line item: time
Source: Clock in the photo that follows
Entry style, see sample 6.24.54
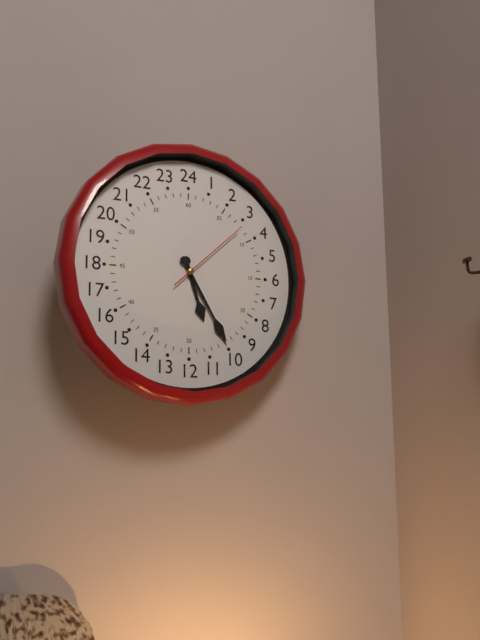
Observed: 5.25.08
